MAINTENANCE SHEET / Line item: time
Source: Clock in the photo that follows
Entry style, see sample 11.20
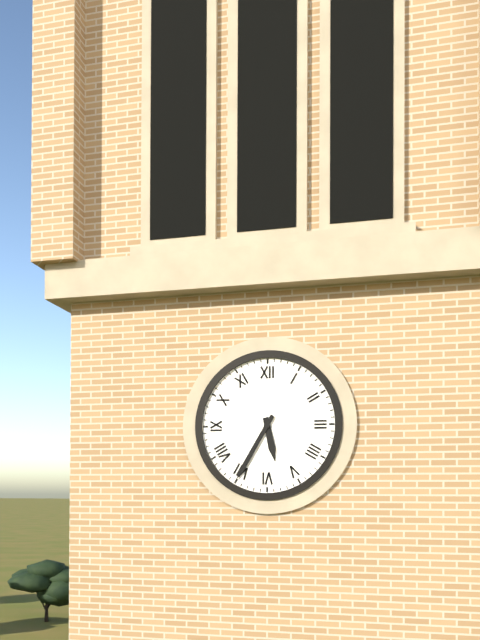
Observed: 5.35
